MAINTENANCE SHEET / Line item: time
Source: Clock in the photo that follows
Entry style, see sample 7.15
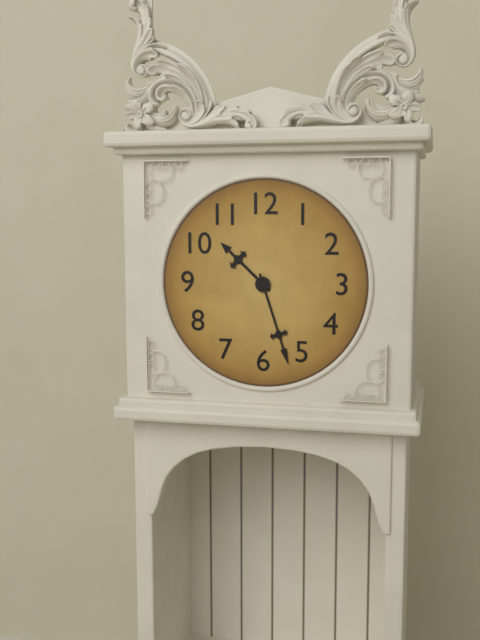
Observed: 10.27
